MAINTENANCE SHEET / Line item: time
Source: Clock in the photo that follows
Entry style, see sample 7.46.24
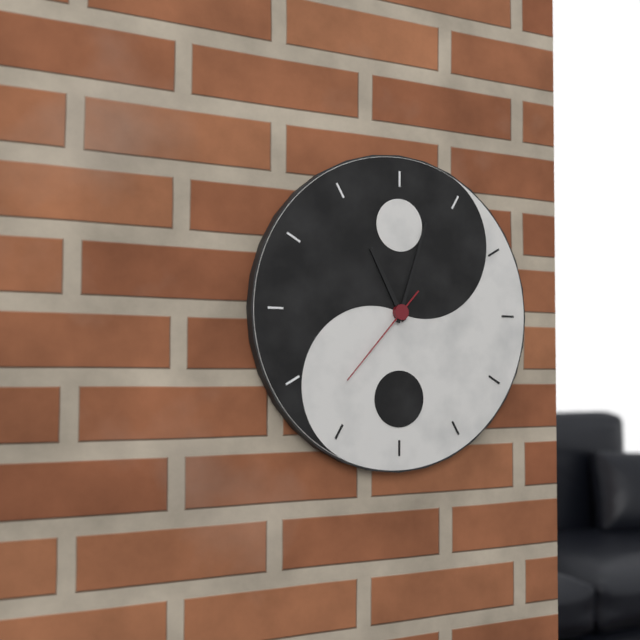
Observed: 11.03.37
